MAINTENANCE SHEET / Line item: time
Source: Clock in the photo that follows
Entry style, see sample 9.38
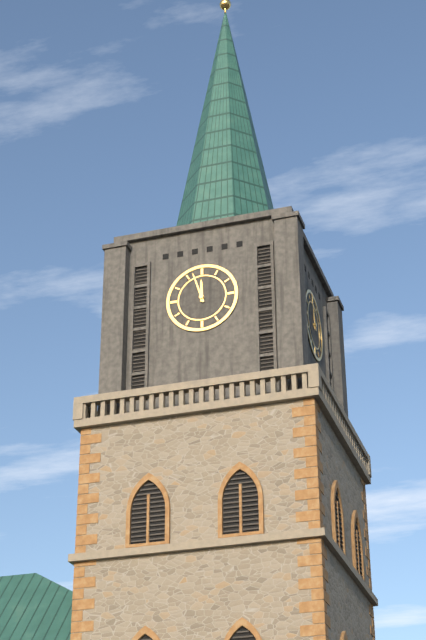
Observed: 11.57
